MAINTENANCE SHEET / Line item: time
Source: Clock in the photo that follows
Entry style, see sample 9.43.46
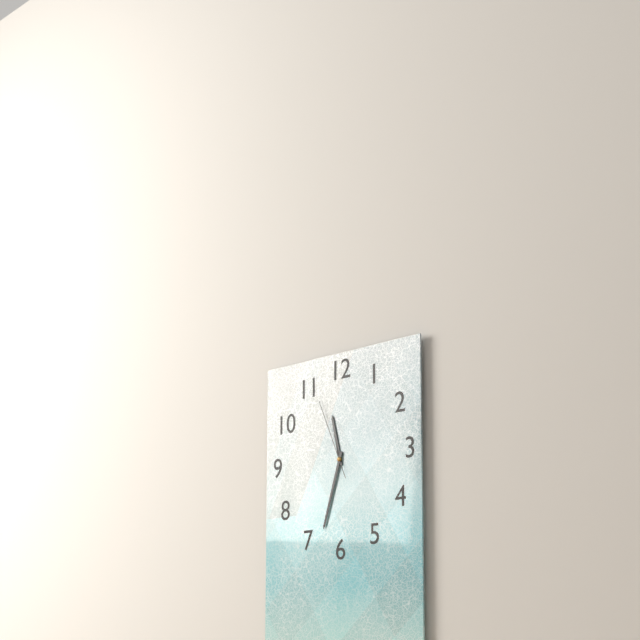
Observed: 11.33.56
